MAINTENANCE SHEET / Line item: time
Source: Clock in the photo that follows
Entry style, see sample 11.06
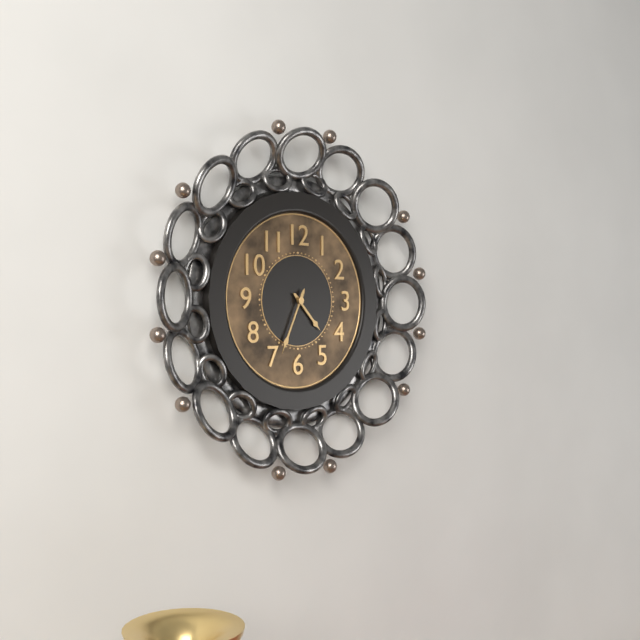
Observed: 4.34
